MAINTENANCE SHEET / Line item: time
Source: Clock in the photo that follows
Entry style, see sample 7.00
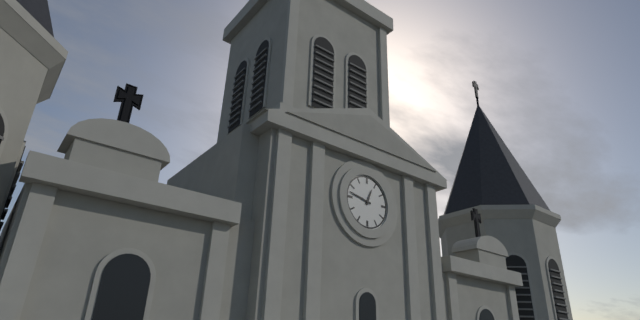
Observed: 12.47
